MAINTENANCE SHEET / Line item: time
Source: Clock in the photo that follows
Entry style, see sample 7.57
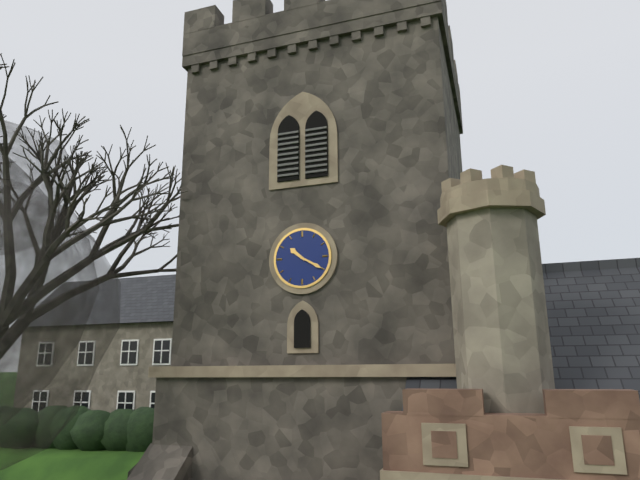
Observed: 10.20
